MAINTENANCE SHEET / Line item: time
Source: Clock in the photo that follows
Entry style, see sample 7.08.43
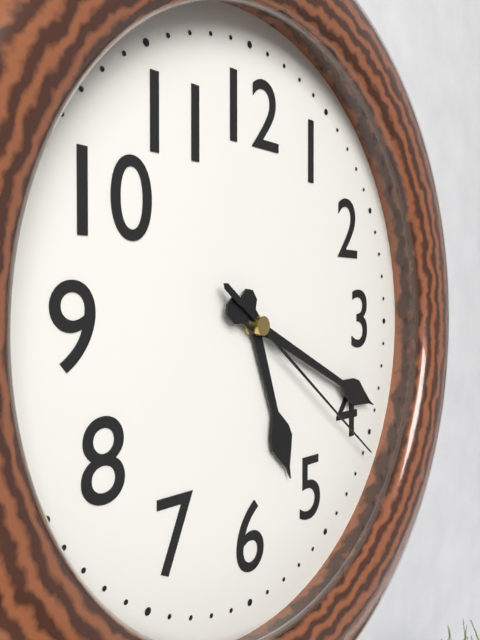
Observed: 5.19.21
